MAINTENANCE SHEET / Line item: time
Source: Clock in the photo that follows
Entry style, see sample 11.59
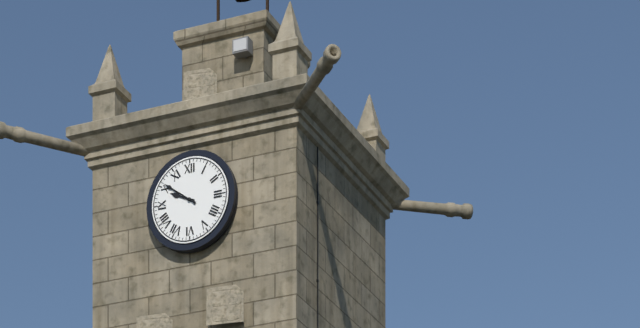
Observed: 9.51
